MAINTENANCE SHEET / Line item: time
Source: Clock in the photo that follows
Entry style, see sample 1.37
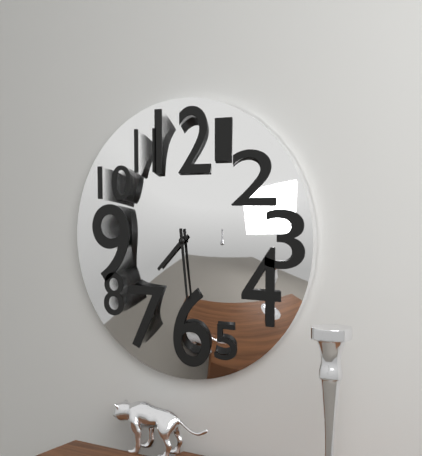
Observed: 7.29
